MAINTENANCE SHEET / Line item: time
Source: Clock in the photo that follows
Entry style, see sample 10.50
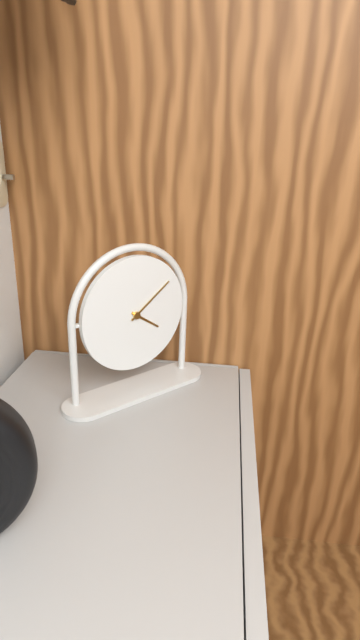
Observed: 4.09
